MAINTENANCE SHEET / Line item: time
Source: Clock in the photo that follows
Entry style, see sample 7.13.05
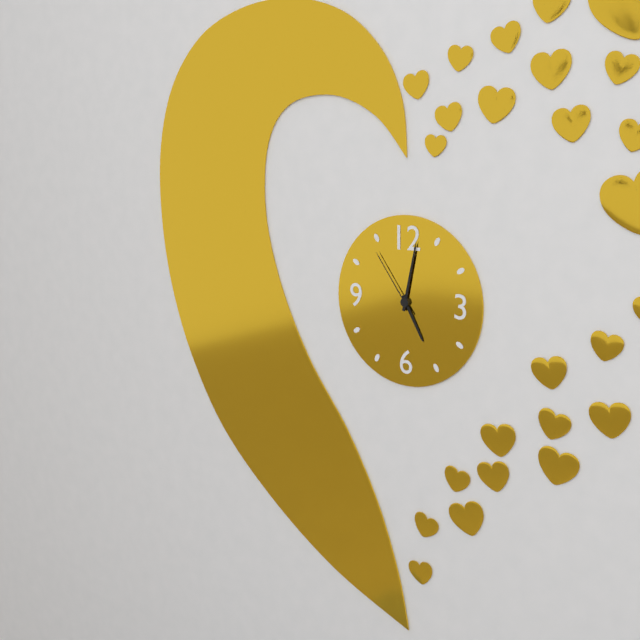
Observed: 5.02.54
